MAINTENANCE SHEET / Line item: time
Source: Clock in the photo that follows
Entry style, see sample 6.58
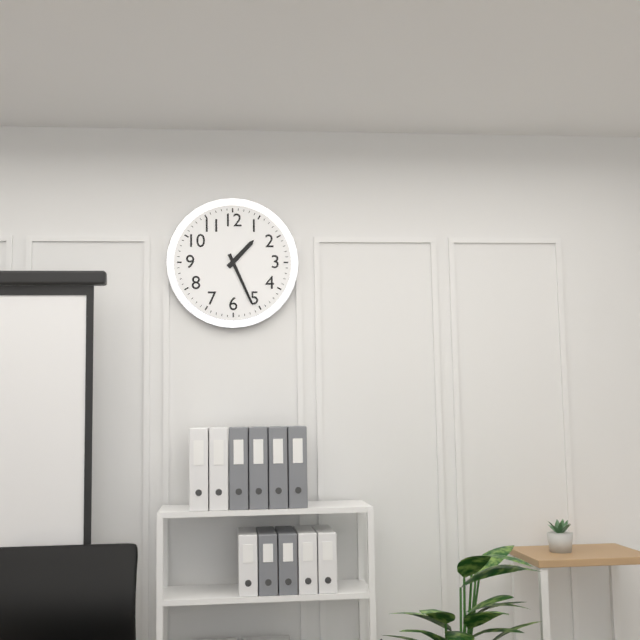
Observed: 1.26
